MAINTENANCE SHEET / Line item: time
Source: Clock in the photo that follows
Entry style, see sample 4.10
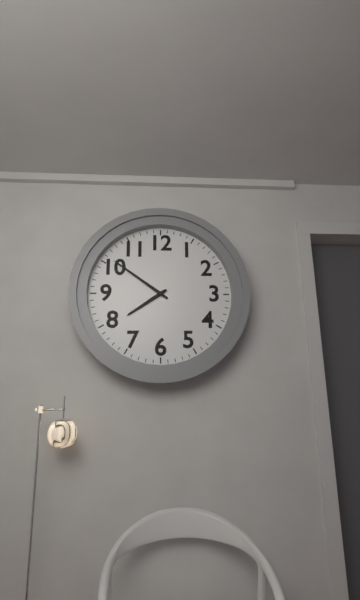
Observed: 7.51
